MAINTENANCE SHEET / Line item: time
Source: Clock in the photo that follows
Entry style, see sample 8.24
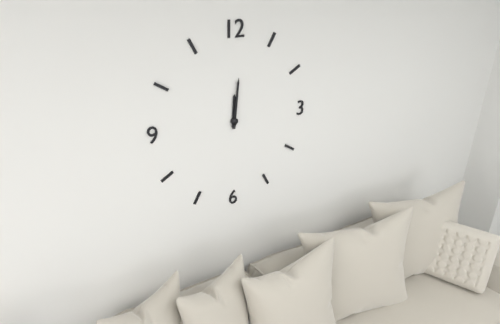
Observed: 12.01
